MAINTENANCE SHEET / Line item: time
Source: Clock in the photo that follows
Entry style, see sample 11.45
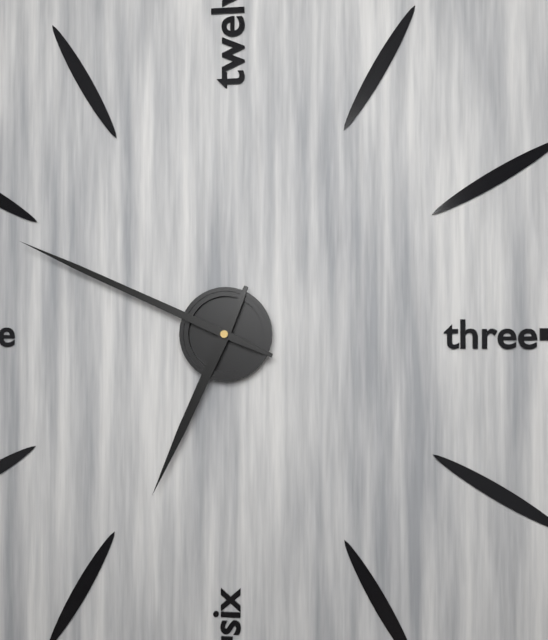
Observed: 6.49
